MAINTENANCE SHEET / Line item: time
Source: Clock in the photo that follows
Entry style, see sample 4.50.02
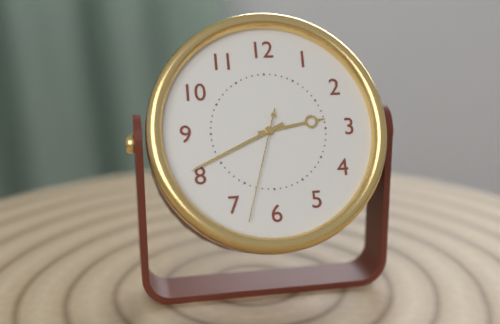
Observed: 2.41.33
